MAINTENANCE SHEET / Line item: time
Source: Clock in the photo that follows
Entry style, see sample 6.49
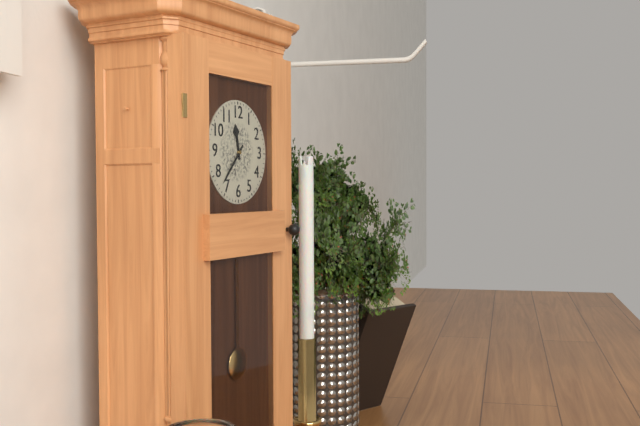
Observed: 11.37
